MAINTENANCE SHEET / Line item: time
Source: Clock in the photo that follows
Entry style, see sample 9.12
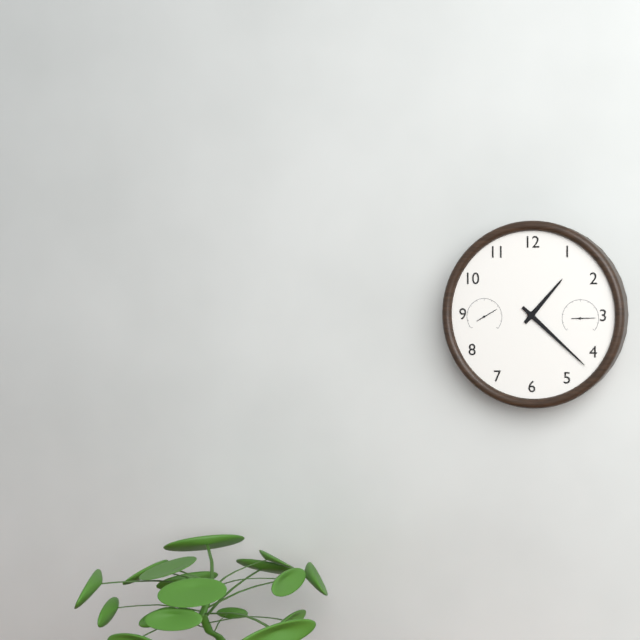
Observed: 1.22
